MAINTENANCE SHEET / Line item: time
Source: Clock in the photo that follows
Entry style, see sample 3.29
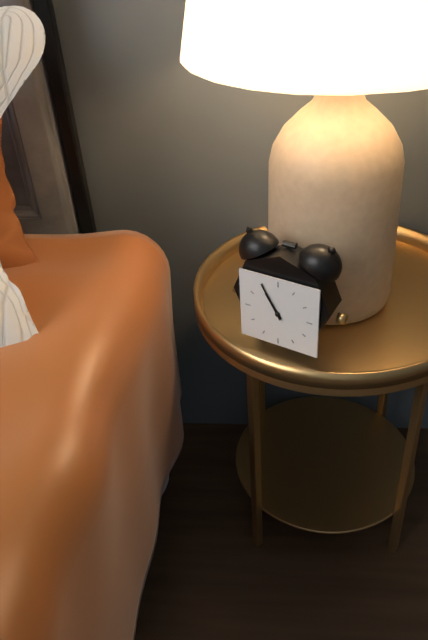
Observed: 10.55
